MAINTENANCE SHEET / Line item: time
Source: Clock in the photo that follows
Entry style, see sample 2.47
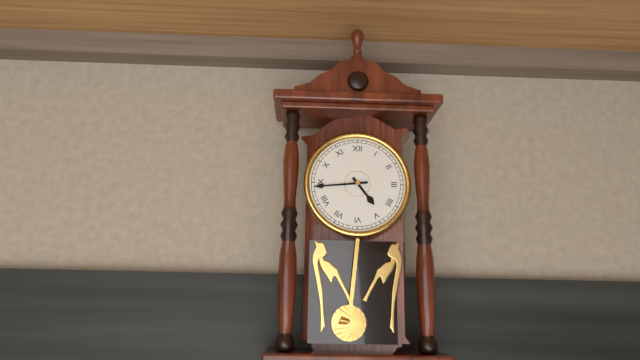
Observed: 4.44
